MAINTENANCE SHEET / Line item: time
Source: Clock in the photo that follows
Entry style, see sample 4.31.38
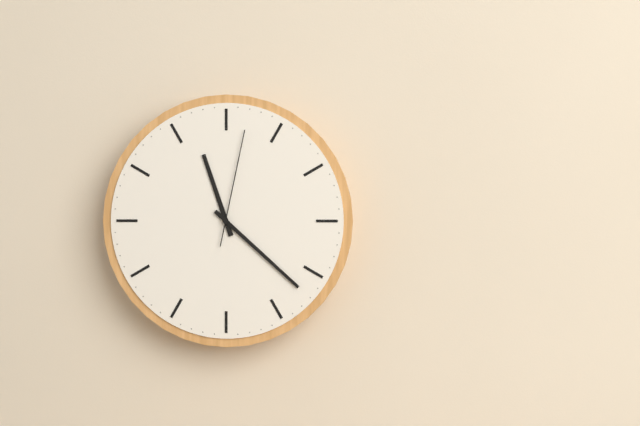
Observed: 11.22.02
